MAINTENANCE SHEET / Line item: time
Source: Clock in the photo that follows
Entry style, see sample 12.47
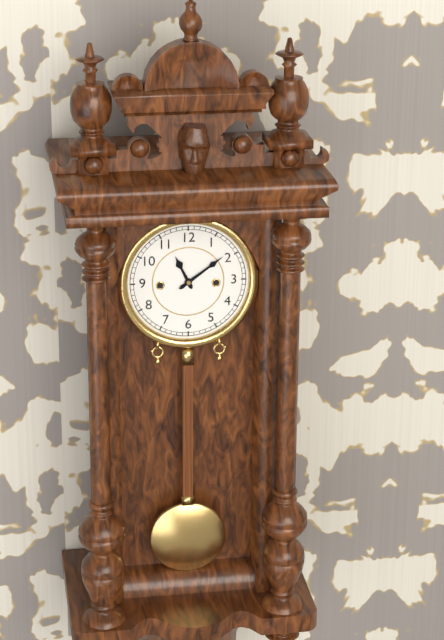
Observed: 11.09
